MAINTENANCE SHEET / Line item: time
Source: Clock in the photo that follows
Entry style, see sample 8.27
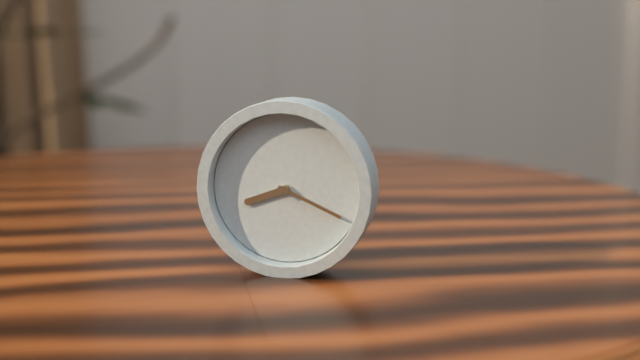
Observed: 8.19
